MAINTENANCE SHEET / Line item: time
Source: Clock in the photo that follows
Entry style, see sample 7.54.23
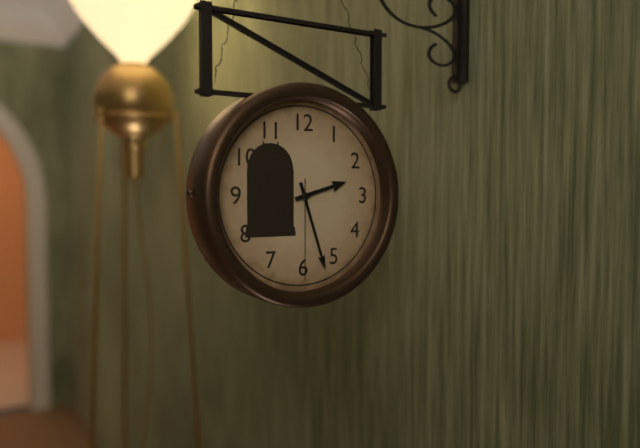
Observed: 2.27.30
